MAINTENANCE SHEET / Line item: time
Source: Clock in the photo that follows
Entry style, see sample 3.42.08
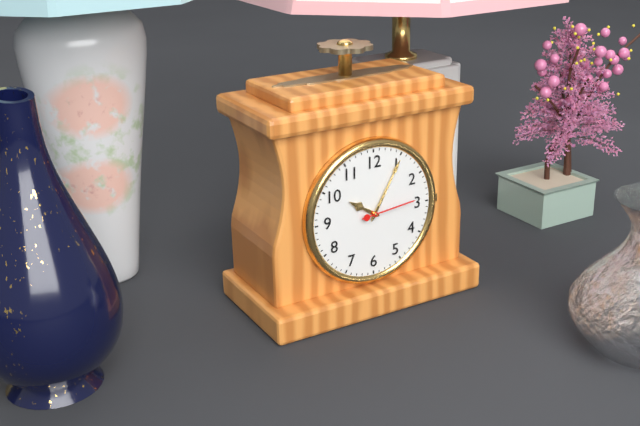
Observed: 10.05.14
